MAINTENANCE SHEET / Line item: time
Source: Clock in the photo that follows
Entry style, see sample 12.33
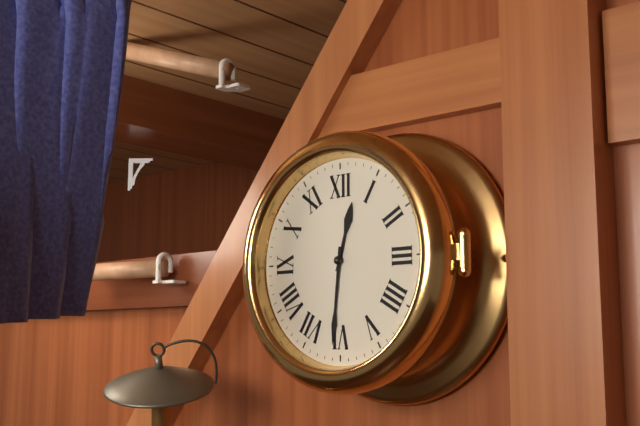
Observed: 12.31
